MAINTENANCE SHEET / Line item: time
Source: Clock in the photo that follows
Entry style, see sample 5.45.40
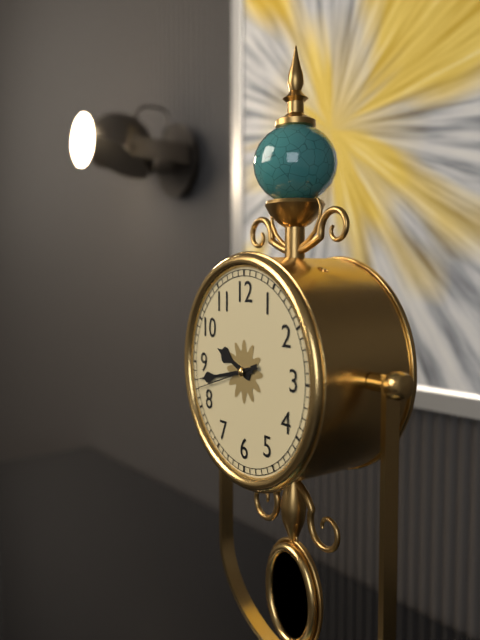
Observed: 9.43.42
